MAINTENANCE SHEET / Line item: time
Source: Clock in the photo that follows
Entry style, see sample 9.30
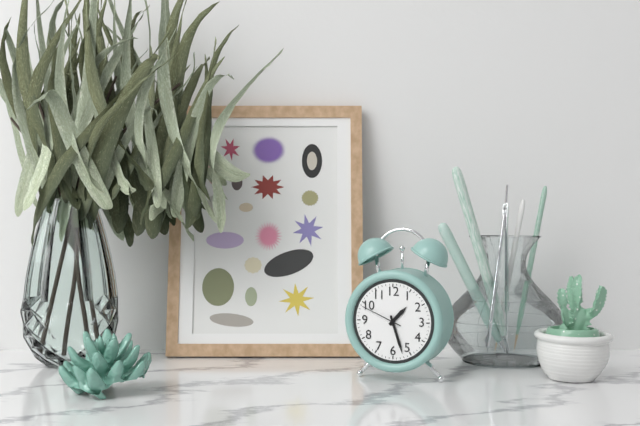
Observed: 1.27
